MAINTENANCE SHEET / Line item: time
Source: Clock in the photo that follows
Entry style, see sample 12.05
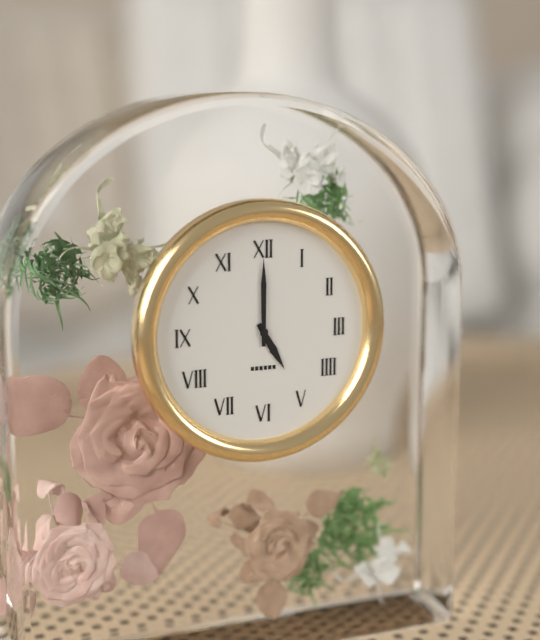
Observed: 5.00
